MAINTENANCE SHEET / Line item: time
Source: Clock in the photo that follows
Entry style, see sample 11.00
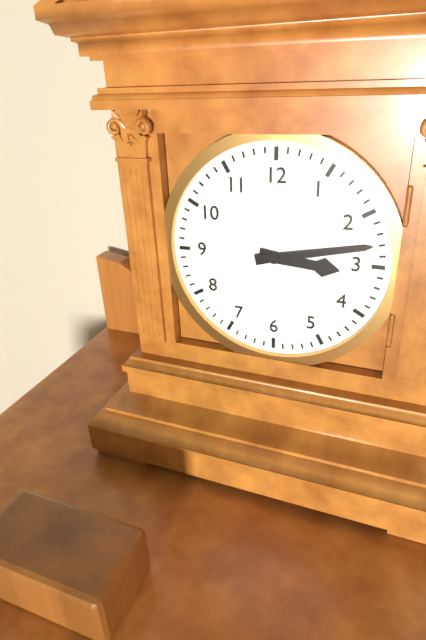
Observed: 3.13
